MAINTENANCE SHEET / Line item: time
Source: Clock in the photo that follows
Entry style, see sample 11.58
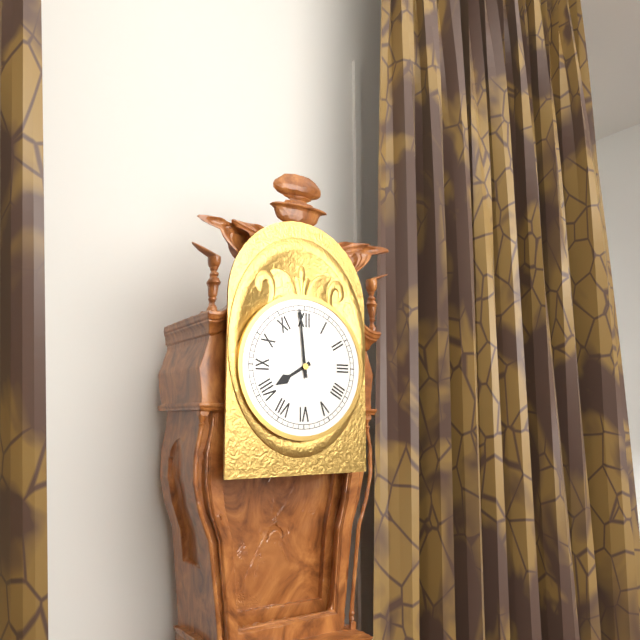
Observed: 7.59
